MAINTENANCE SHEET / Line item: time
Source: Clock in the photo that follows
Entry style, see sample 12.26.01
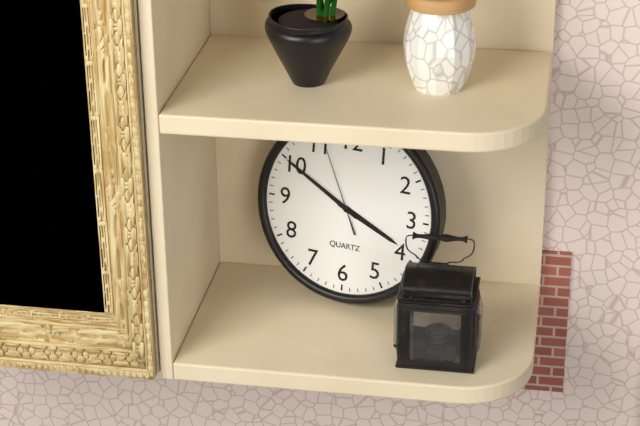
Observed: 3.50.56
